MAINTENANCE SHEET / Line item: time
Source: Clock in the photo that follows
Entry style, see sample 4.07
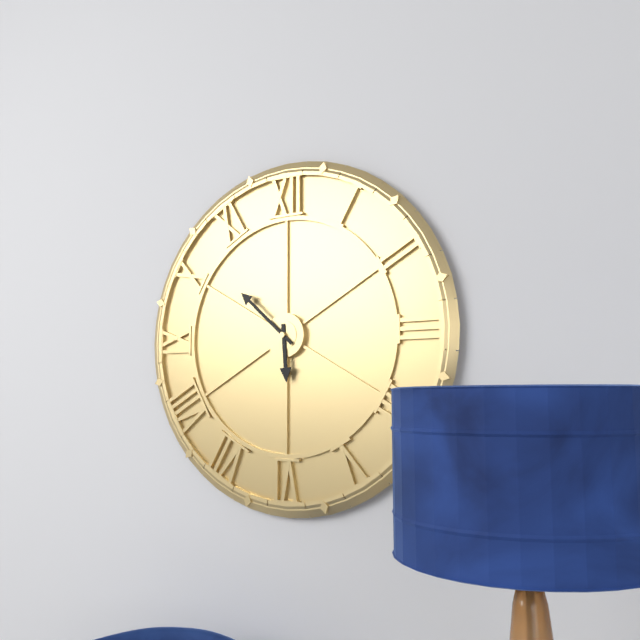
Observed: 5.52
